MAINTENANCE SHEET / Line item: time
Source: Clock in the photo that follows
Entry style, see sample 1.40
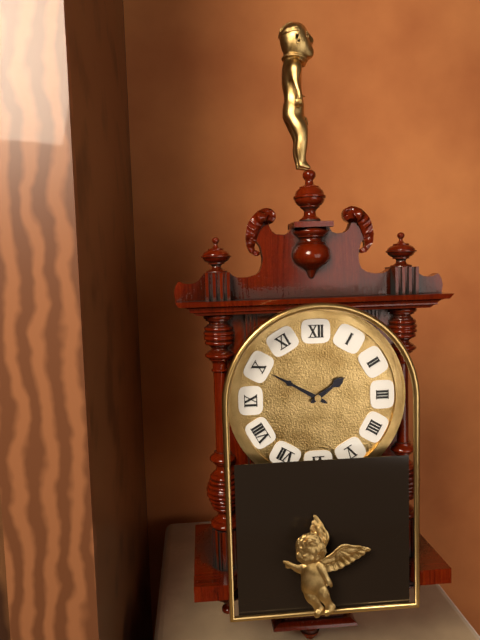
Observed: 1.50
